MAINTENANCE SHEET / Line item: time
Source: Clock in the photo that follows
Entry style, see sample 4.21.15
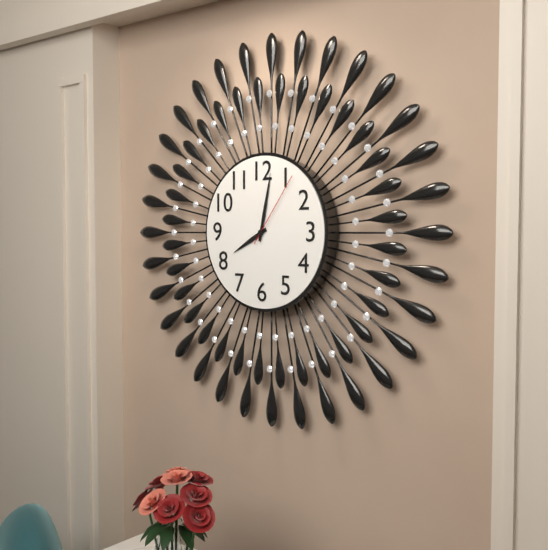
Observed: 8.02.06
